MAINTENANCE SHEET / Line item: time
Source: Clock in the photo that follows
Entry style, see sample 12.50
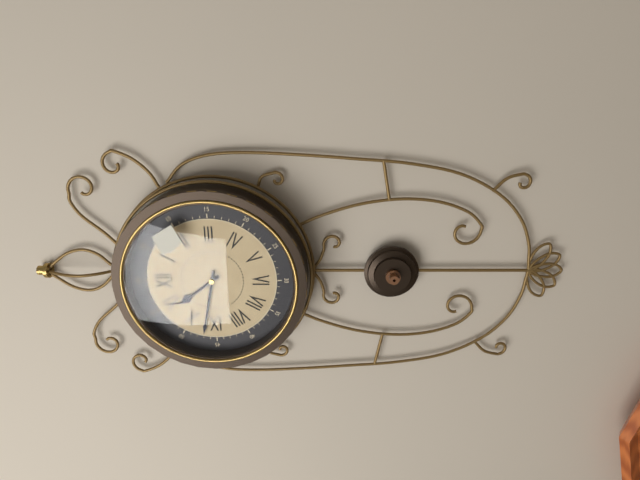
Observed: 10.47
